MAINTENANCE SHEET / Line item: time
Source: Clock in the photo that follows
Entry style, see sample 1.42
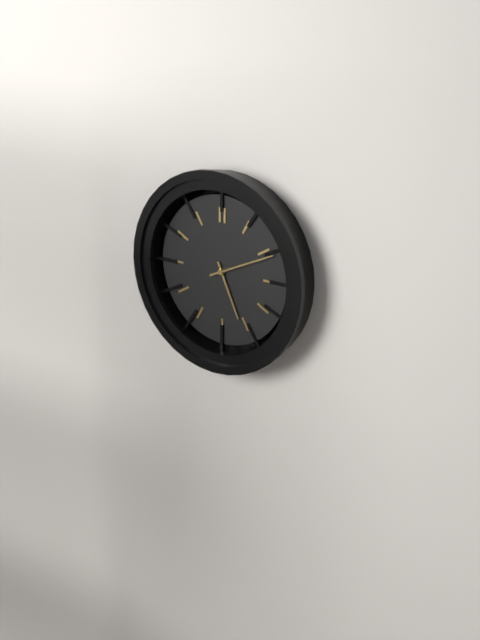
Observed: 5.11
